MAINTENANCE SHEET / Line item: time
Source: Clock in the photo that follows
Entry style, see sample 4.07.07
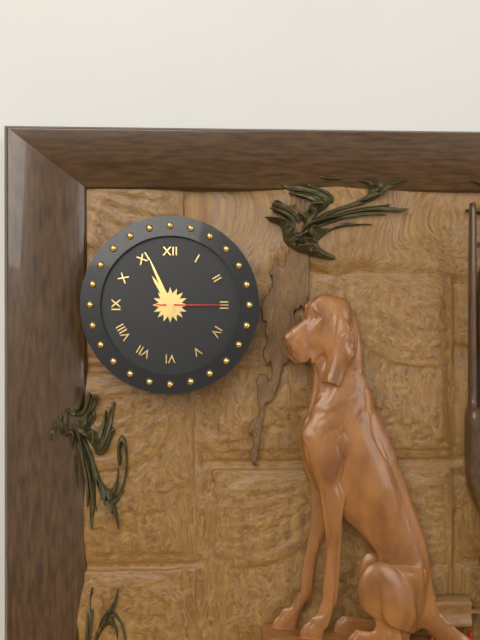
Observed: 10.56.15
